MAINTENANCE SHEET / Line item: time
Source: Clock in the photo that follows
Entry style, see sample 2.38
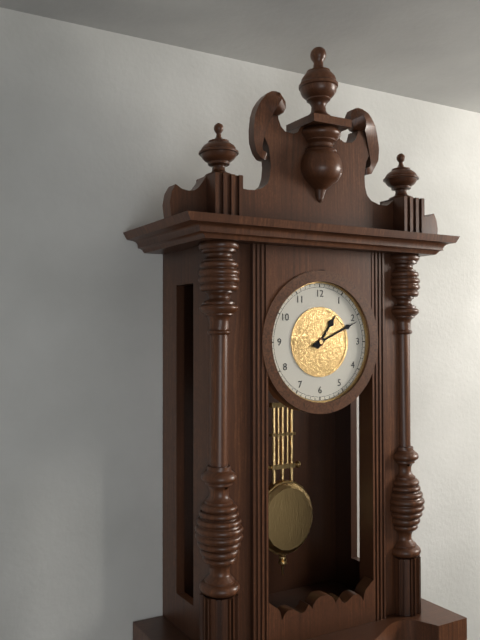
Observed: 1.11
